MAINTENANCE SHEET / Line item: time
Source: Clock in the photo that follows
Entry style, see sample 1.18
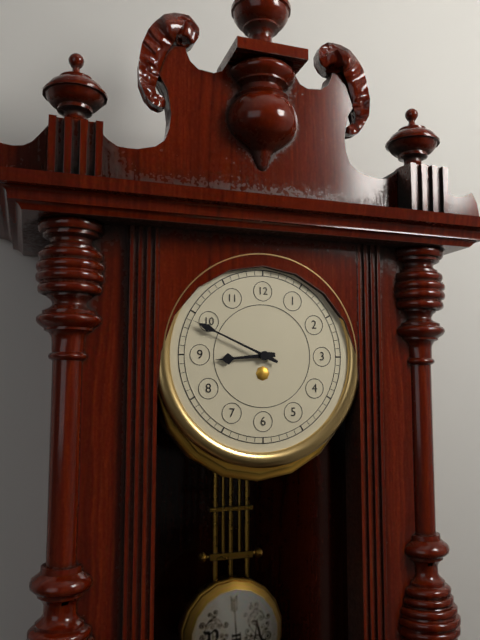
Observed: 8.49
